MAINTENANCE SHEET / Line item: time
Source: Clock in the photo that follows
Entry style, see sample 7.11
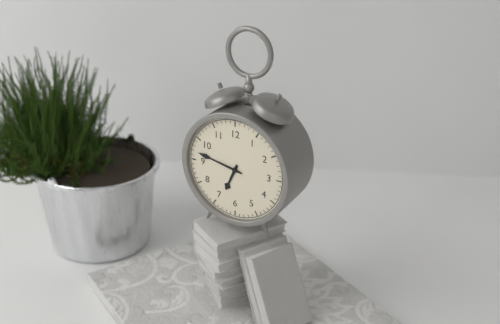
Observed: 6.47
